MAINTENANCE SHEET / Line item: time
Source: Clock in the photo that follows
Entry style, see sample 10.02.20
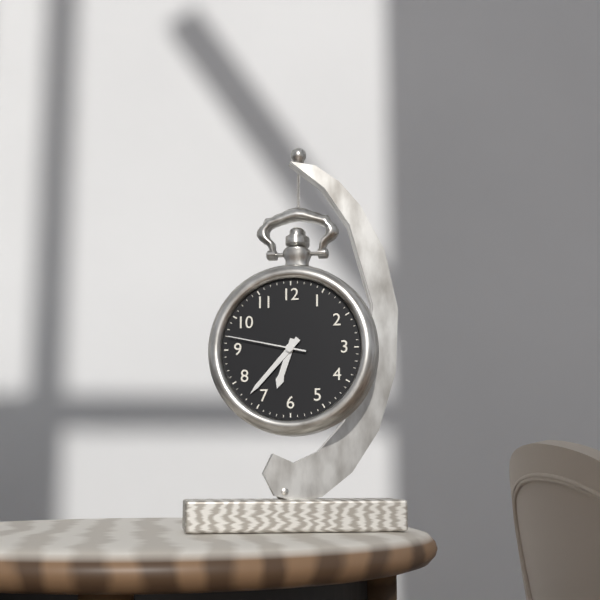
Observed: 6.37.47
